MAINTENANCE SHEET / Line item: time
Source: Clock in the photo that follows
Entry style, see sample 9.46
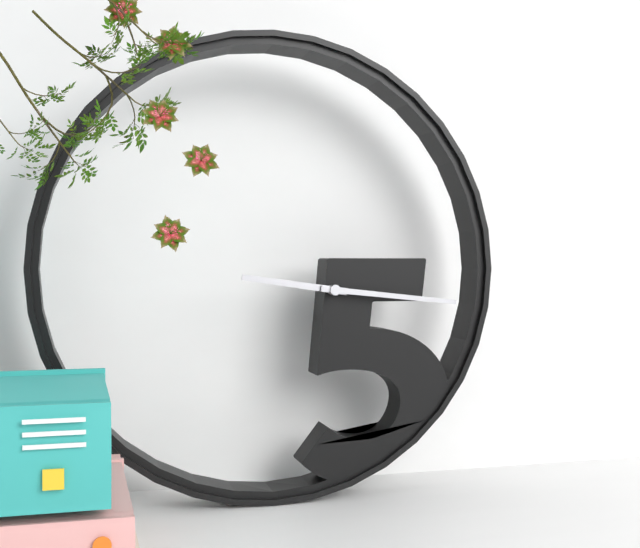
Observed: 9.16
